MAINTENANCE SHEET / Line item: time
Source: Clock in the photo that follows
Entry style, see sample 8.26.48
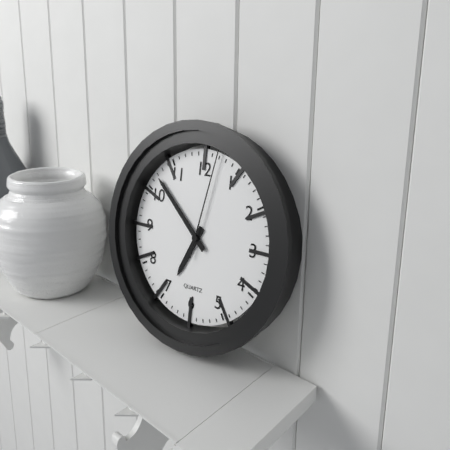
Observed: 6.52.02
